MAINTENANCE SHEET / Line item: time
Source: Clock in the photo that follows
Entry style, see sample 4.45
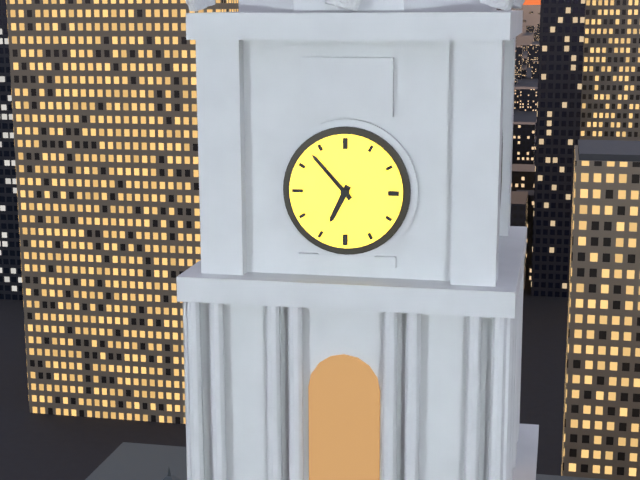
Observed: 6.53
